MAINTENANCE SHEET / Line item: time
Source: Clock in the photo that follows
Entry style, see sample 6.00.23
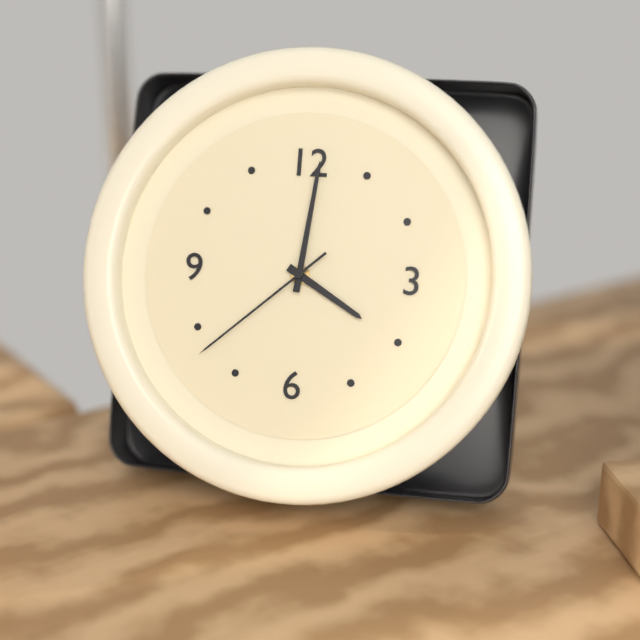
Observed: 4.01.38
